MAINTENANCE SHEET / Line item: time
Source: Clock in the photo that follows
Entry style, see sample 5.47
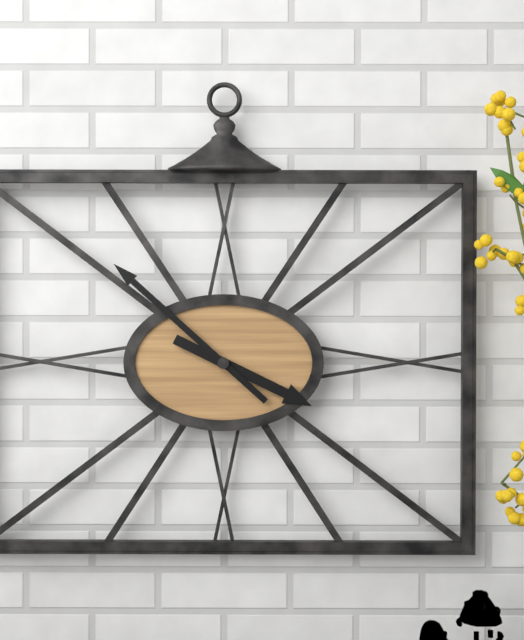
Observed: 3.52
